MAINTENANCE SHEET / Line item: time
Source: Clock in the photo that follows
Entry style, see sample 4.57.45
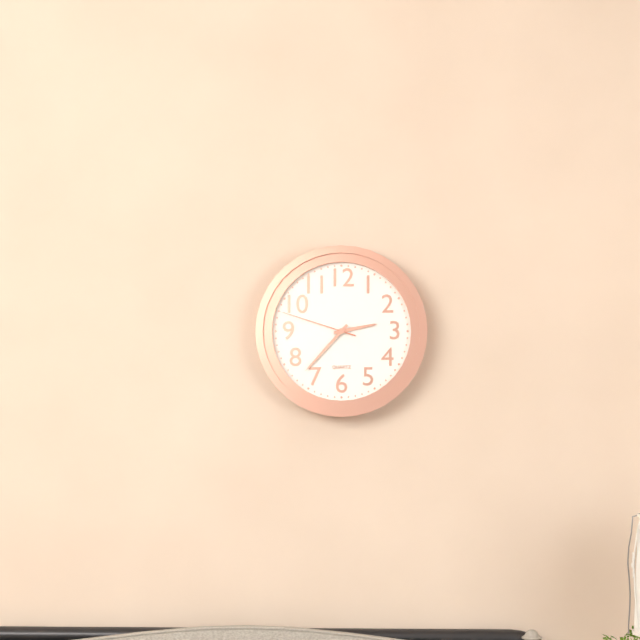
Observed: 2.37.48
